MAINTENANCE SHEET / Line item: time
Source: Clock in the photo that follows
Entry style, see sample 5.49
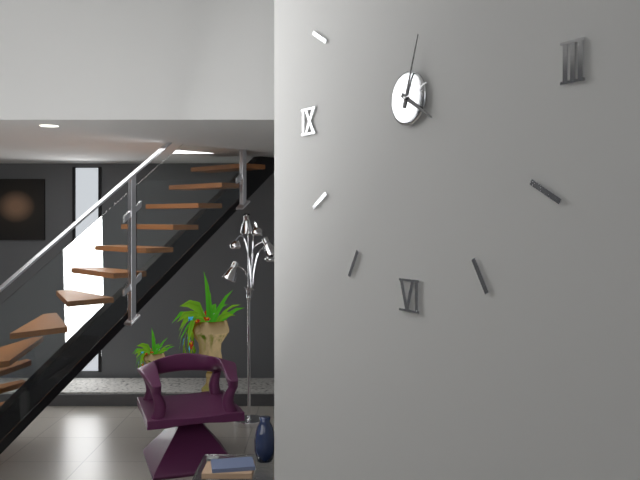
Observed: 4.03
